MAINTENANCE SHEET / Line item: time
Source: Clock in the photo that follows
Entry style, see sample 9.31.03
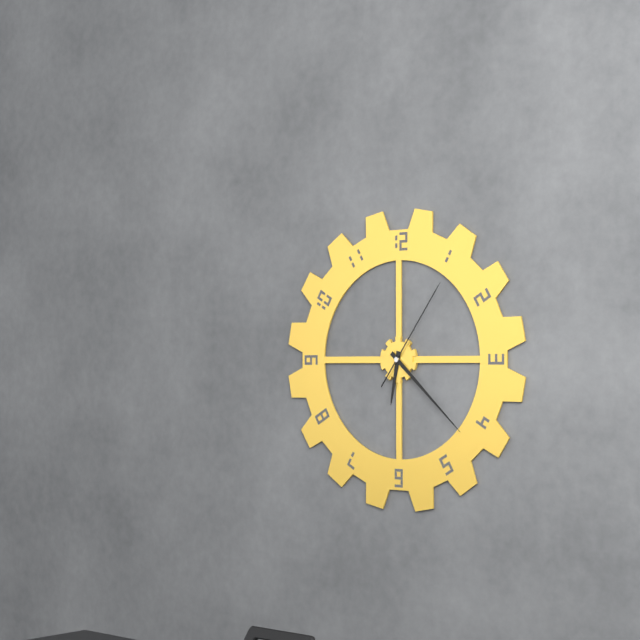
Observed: 6.22.06
